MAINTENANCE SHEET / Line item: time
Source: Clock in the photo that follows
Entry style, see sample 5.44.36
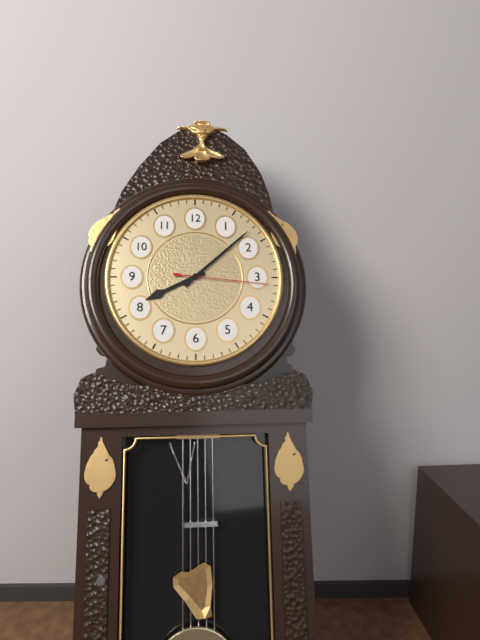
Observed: 8.08.16
